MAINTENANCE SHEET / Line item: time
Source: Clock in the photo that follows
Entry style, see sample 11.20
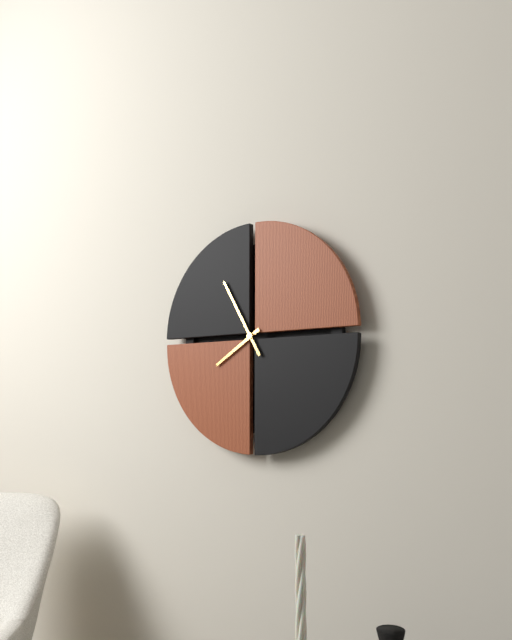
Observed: 7.55
